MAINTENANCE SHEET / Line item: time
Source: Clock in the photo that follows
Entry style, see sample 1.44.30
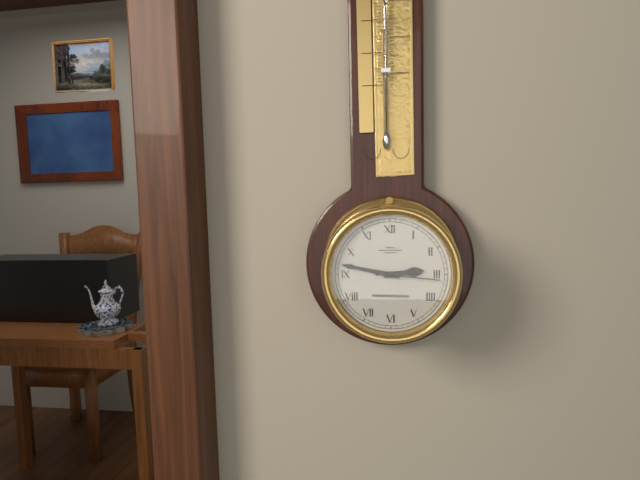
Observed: 2.47.16
